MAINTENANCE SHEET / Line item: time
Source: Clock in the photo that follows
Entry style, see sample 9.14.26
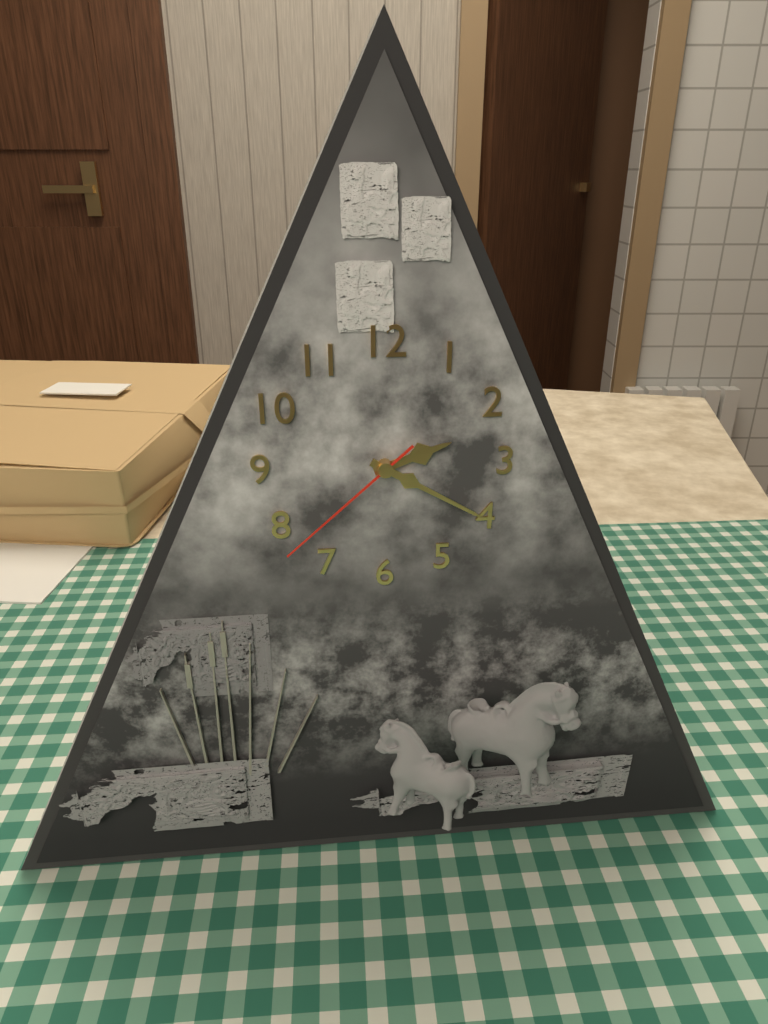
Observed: 2.20.38
